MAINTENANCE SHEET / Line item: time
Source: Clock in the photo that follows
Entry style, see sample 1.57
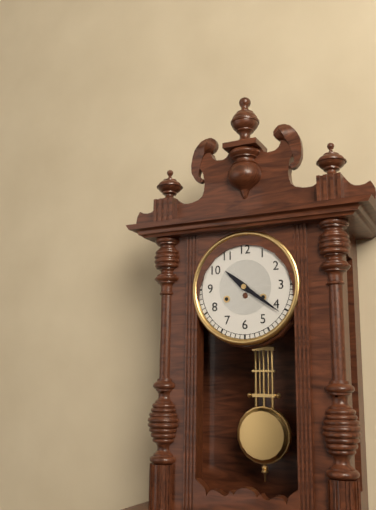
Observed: 10.21
